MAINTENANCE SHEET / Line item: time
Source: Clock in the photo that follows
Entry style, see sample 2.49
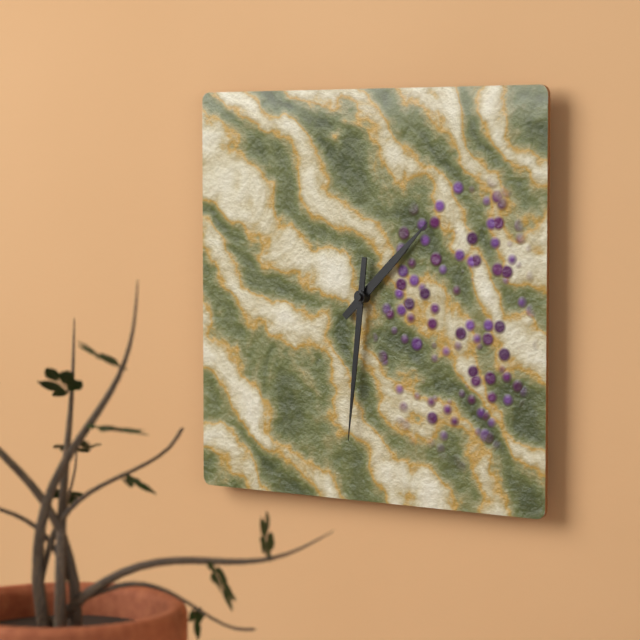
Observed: 1.31
